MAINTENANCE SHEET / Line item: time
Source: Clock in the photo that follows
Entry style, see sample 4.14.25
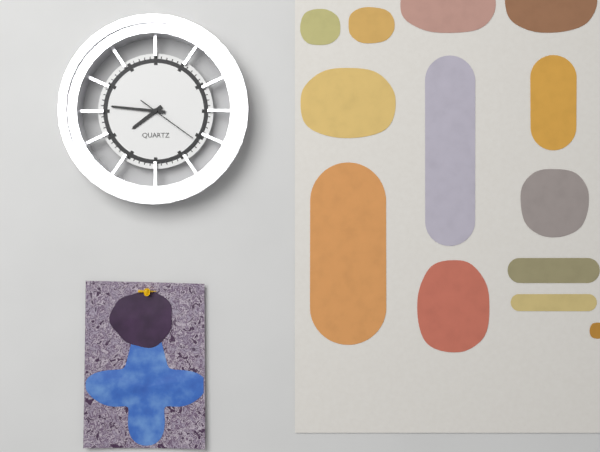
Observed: 7.46.21
